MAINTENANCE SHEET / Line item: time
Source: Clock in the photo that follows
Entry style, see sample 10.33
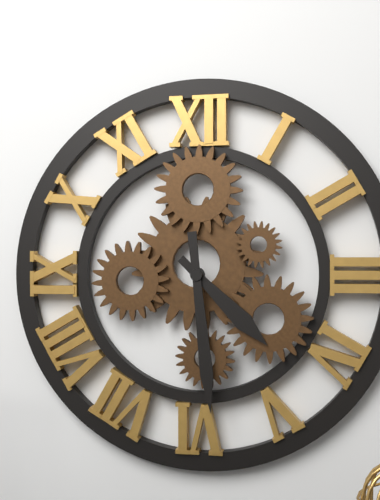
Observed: 4.29
